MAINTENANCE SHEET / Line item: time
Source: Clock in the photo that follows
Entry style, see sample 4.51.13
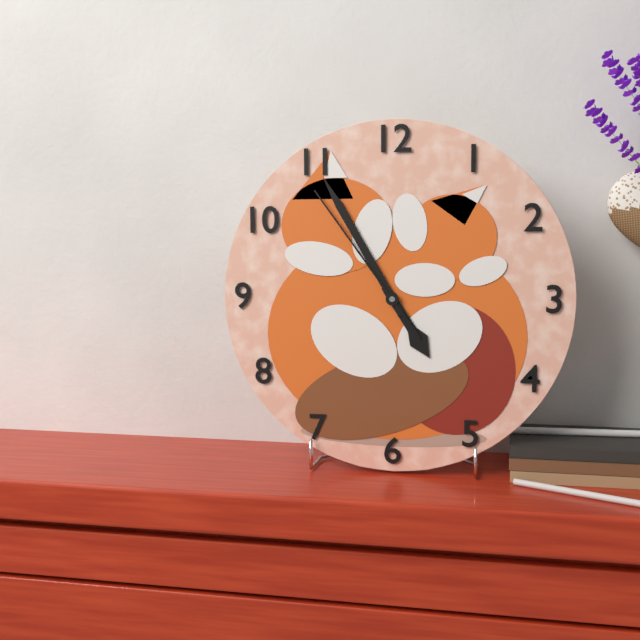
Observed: 4.55.54
